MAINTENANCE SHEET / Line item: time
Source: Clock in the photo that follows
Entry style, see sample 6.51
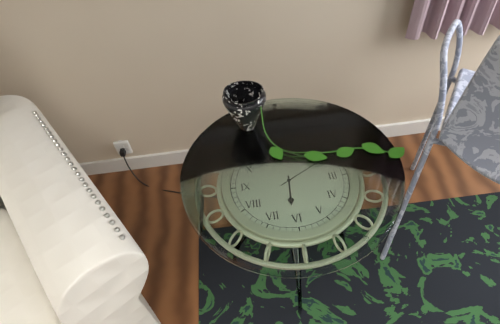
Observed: 6.10
